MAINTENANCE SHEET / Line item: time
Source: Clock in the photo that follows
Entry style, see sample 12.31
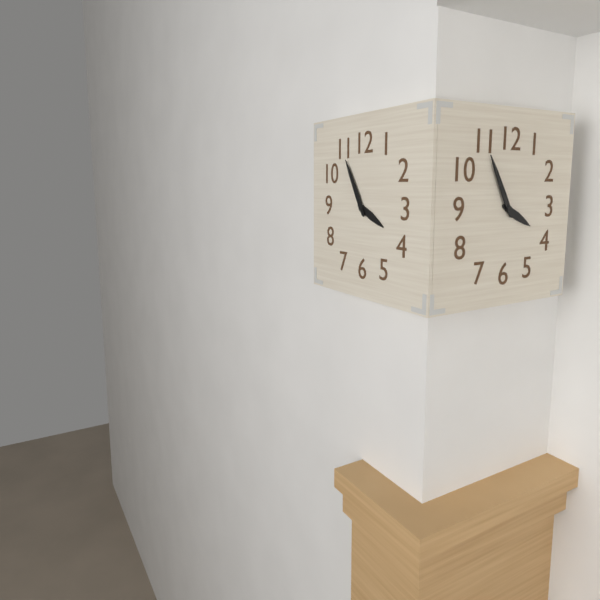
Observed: 3.55
